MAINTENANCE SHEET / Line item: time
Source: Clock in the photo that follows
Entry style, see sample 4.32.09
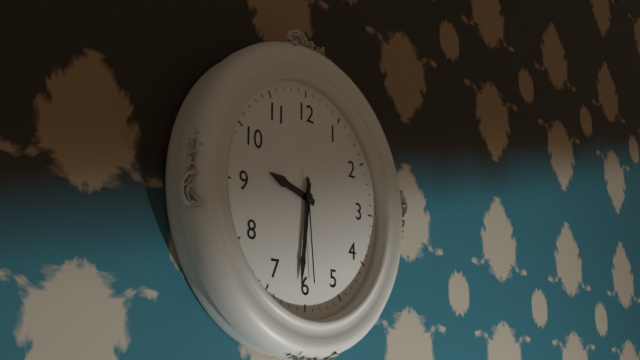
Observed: 9.31.29
